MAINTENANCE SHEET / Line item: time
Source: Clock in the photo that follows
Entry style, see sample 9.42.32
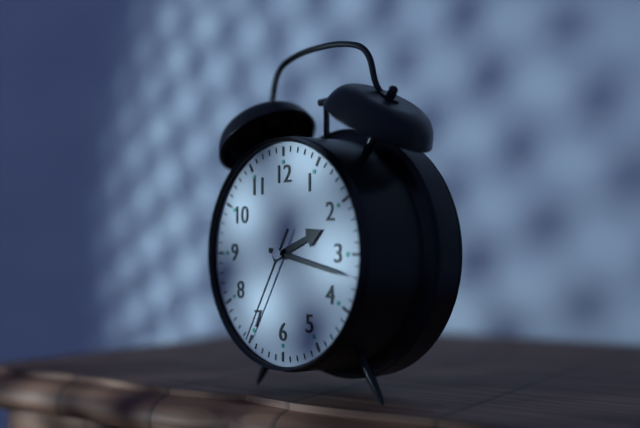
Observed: 2.17.35
